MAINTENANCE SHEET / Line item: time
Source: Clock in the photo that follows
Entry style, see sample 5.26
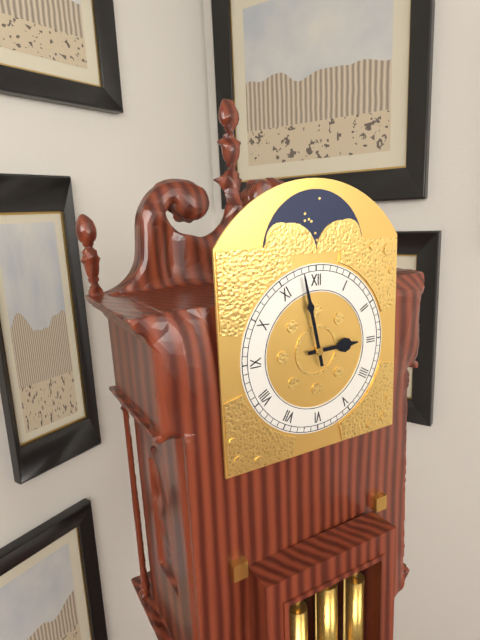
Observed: 2.58
